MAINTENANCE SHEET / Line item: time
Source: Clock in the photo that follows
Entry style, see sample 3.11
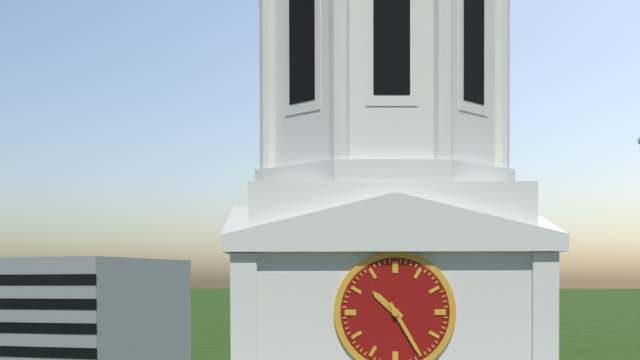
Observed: 10.25
